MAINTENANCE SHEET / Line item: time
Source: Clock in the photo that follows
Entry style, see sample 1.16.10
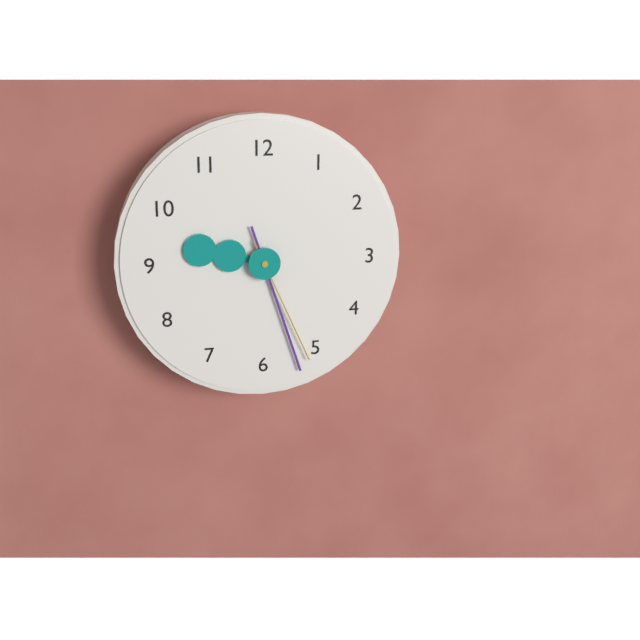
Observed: 9.27.26
